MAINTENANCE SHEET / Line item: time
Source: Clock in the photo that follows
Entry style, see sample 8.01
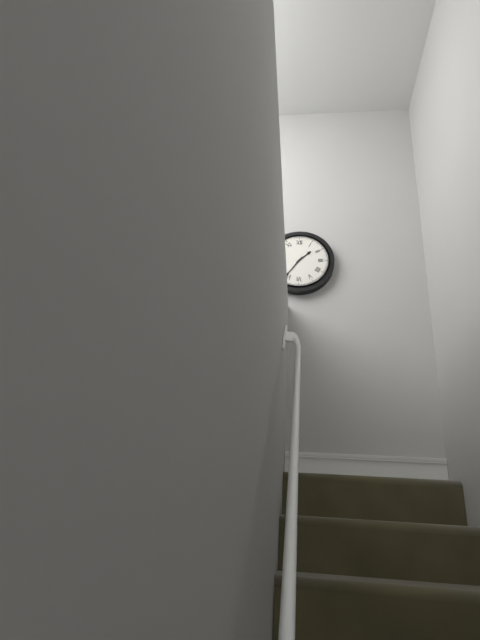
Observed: 1.36
